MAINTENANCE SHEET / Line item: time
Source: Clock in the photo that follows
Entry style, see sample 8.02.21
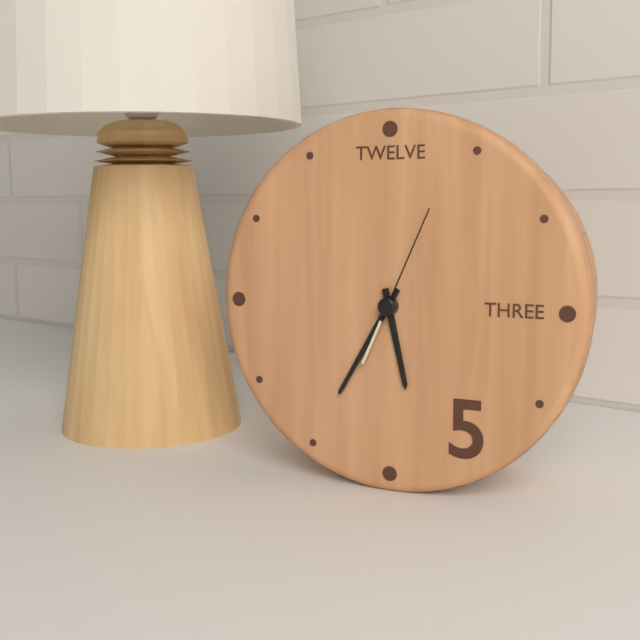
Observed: 5.35.04
